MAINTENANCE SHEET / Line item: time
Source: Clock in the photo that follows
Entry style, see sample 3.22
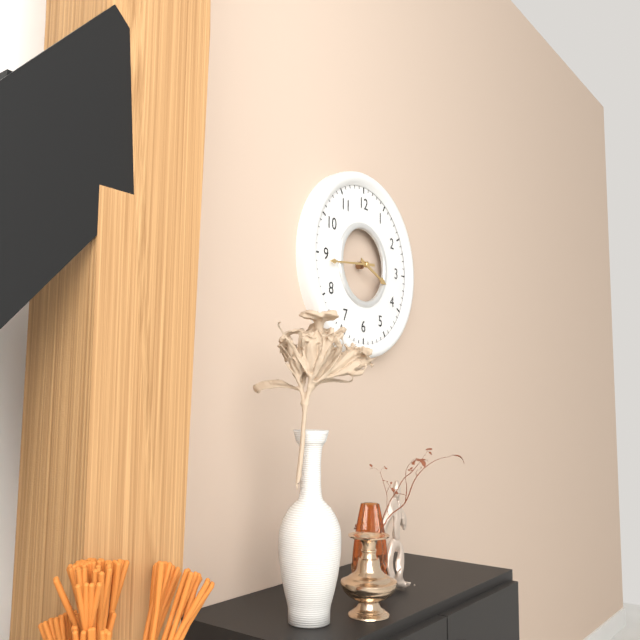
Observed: 3.44
